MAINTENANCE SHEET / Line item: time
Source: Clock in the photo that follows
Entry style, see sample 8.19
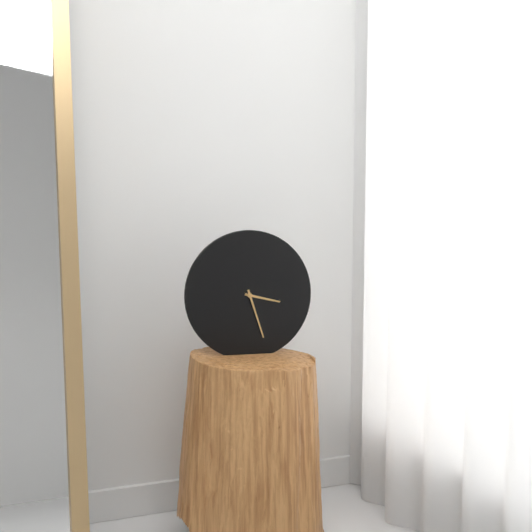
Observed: 3.27
